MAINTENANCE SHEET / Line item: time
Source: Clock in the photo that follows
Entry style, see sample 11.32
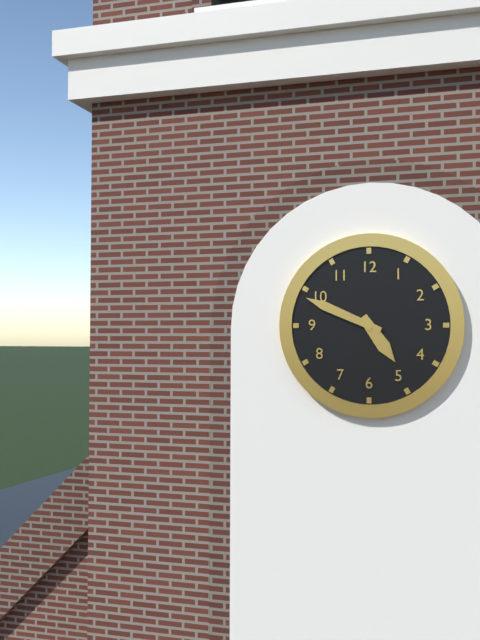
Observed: 4.49
